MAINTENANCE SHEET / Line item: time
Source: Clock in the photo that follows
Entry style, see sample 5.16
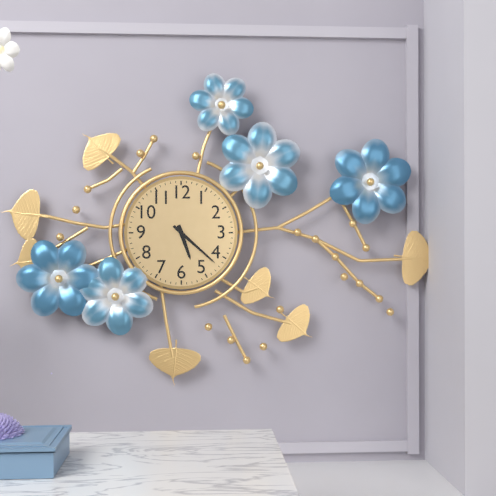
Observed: 5.22
